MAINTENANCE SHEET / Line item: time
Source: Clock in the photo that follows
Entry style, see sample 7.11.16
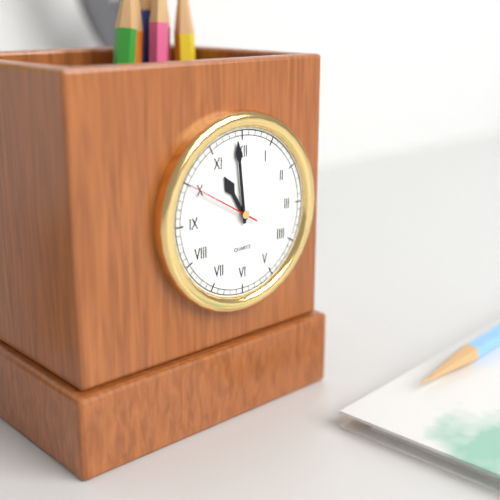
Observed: 10.59.50
